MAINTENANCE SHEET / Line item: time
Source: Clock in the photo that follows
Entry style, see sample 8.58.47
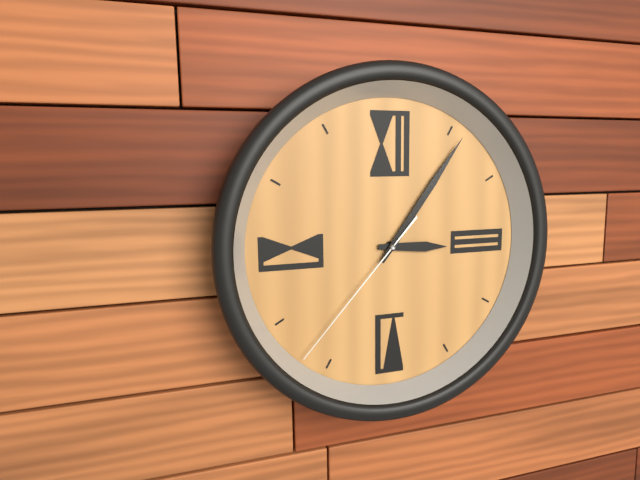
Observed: 3.06.37
